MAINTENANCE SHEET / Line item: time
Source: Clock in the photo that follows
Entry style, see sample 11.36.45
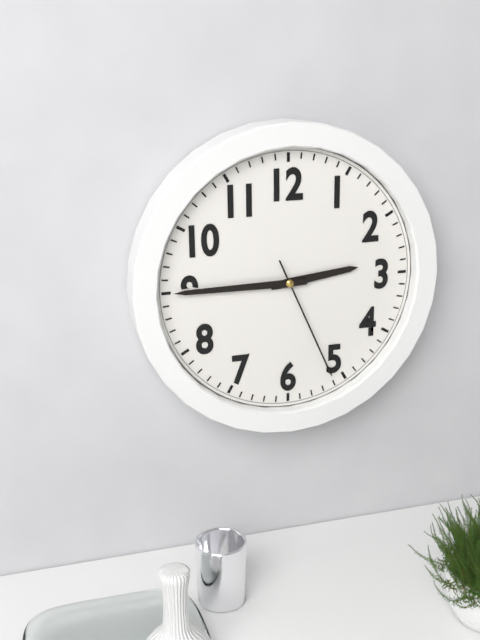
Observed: 2.45.26
